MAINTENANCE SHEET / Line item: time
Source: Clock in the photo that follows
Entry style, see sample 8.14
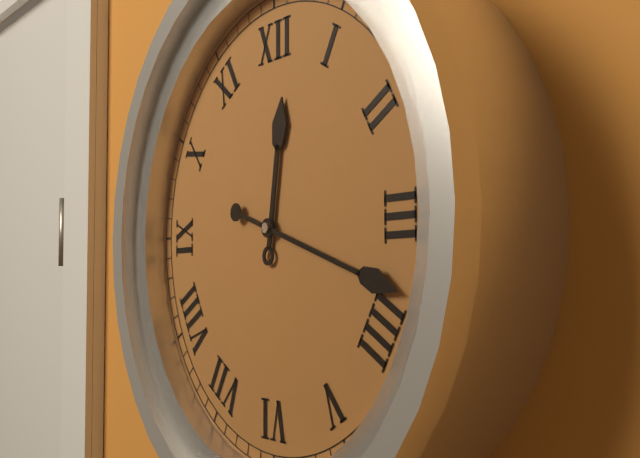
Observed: 12.18
